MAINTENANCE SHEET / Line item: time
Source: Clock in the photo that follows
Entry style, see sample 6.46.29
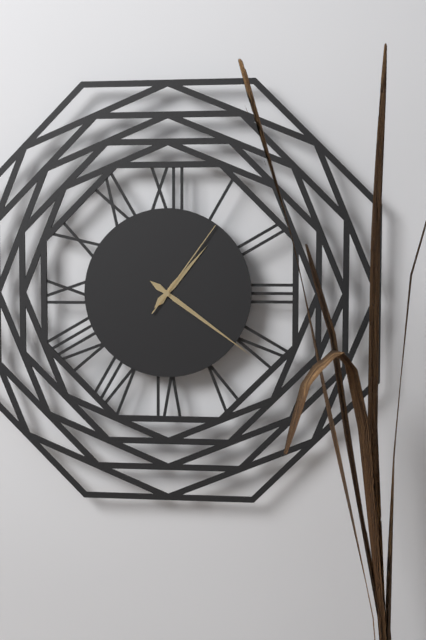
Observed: 1.21.06
